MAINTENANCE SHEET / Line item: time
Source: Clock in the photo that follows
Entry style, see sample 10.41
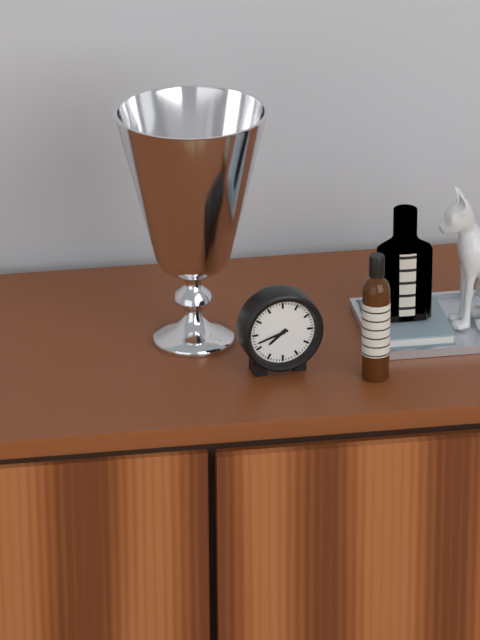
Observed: 7.42
